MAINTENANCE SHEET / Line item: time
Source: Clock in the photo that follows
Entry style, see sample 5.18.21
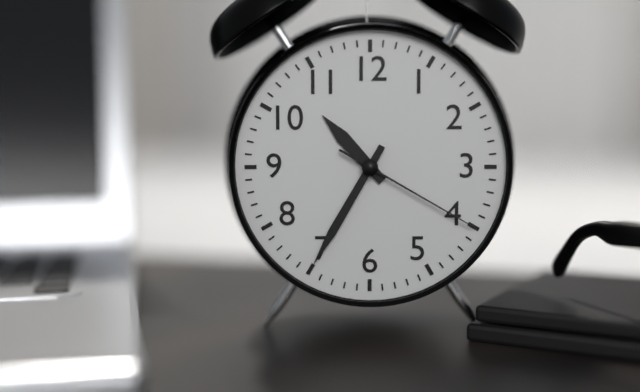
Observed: 10.35.20
